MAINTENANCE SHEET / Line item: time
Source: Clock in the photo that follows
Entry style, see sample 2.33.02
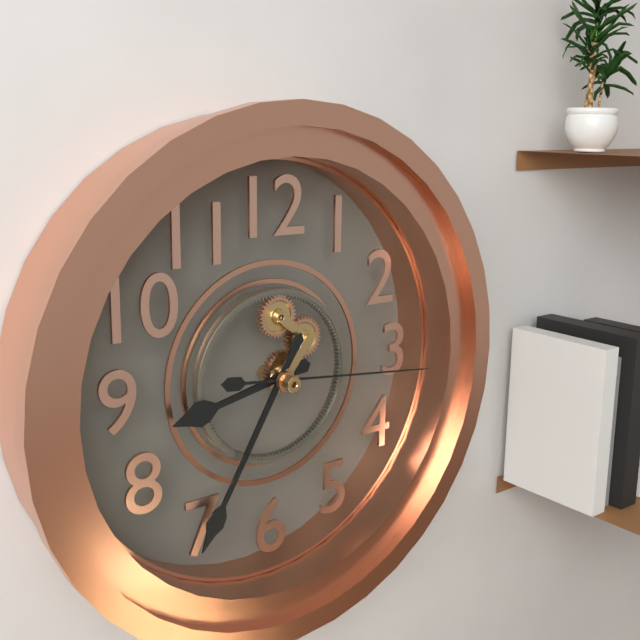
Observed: 8.35.16
